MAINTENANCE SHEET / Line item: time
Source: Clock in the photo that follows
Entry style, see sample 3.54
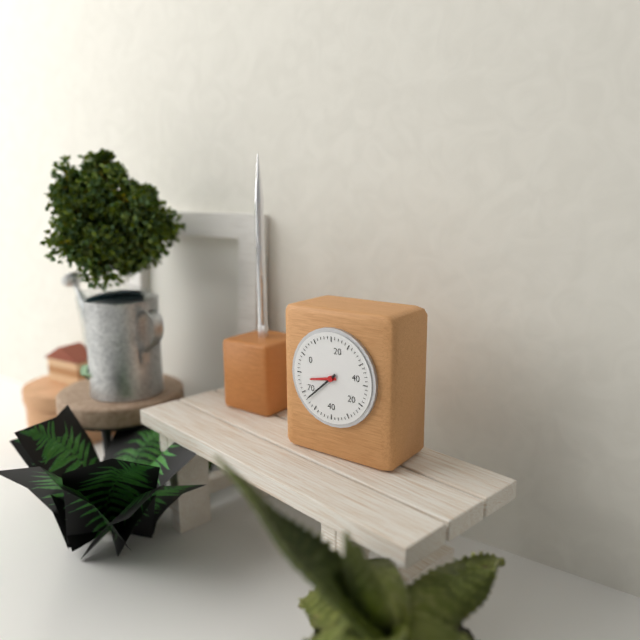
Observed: 8.38
